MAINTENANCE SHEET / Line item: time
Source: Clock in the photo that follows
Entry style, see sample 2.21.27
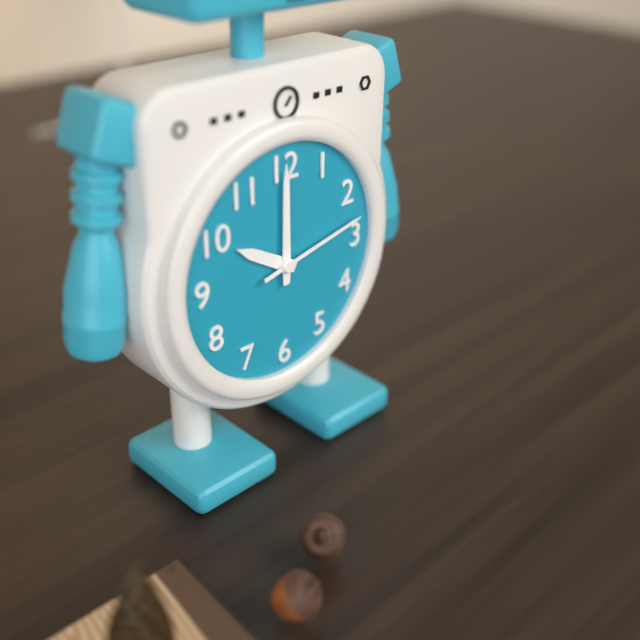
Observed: 10.00.13
